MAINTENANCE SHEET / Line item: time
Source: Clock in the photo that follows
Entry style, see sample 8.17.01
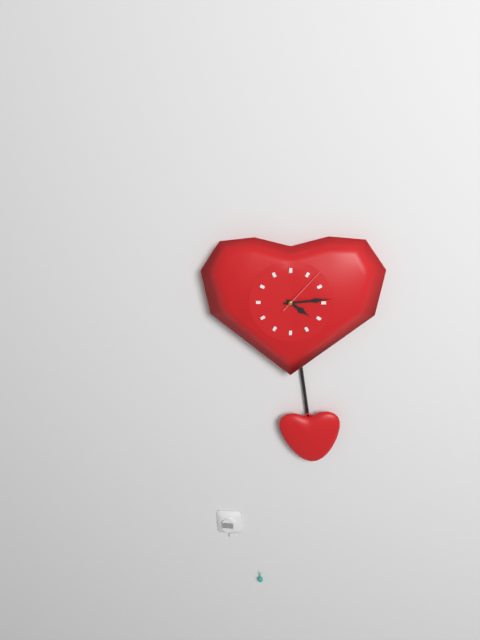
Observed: 4.14.07
